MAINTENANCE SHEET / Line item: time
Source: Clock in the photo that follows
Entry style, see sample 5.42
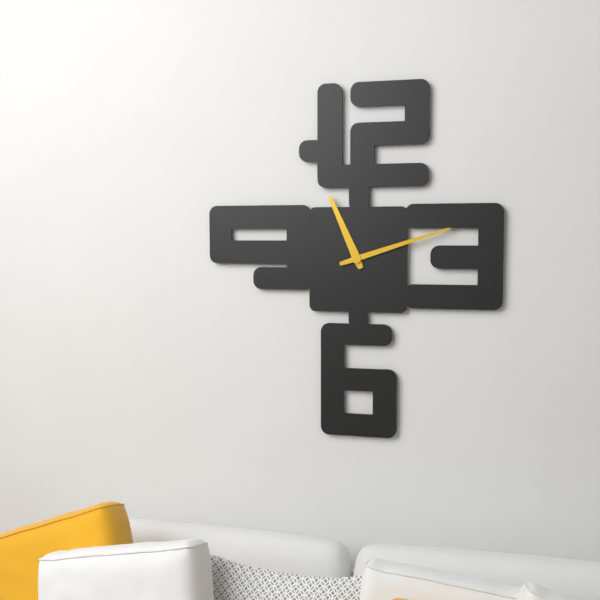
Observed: 11.12
